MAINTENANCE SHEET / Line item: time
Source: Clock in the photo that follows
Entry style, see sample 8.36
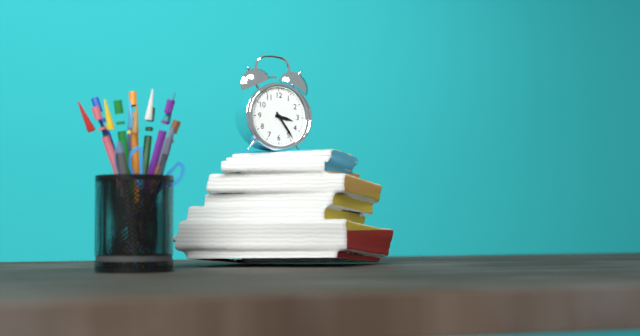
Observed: 3.24
